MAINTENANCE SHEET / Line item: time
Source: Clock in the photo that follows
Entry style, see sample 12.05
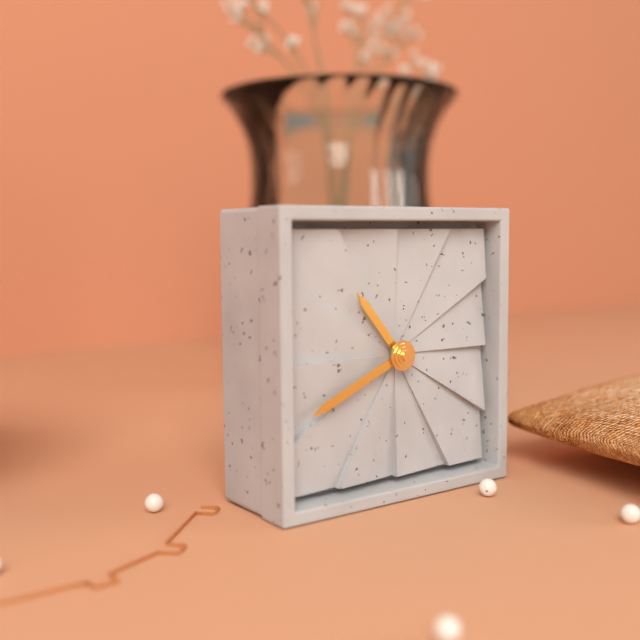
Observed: 10.41
